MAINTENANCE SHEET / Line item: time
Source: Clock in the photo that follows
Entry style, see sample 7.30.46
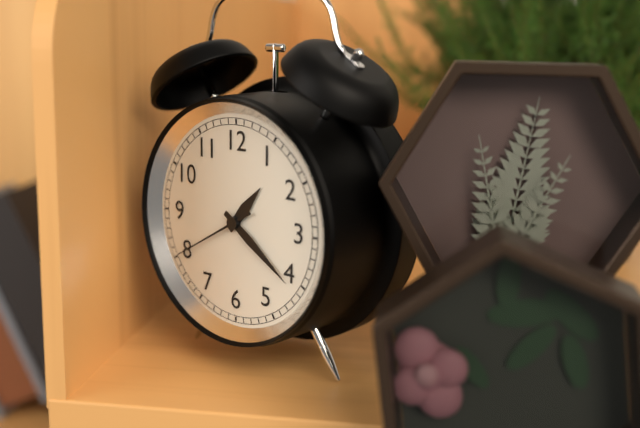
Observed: 1.21.40
